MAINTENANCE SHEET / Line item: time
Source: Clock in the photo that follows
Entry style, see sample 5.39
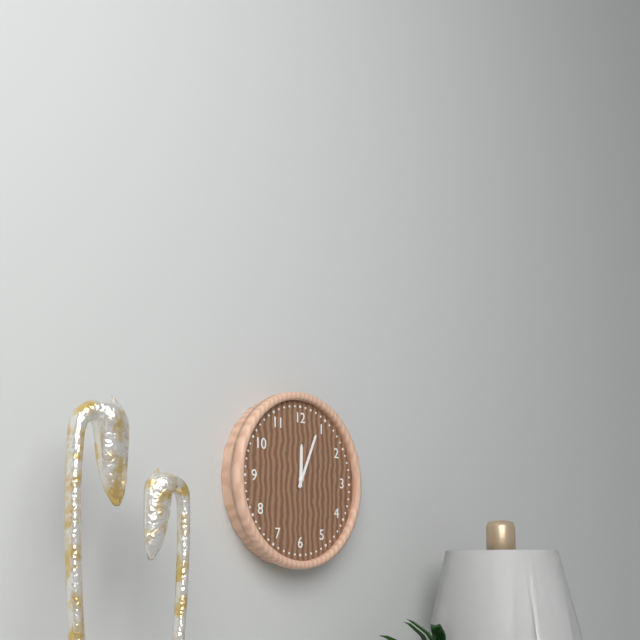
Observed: 12.04
